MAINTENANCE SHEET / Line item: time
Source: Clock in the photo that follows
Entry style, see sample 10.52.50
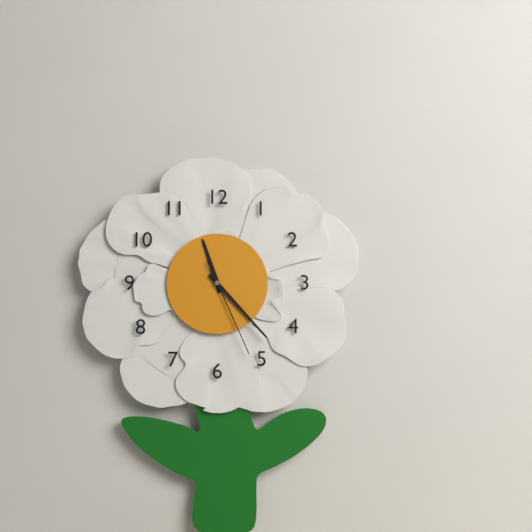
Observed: 11.23.26
